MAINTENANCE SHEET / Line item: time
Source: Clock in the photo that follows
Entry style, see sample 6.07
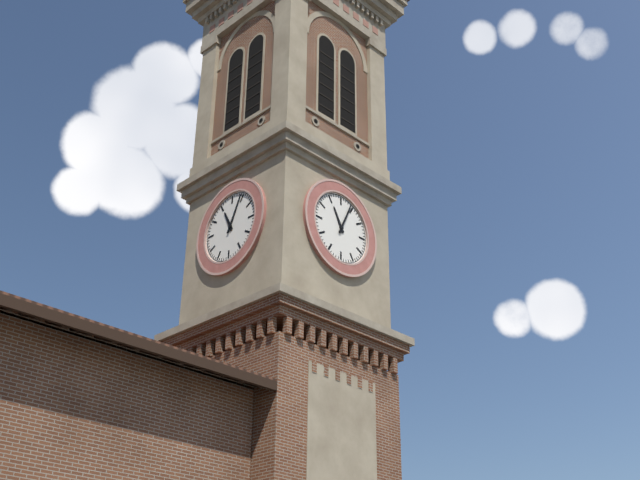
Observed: 11.04
